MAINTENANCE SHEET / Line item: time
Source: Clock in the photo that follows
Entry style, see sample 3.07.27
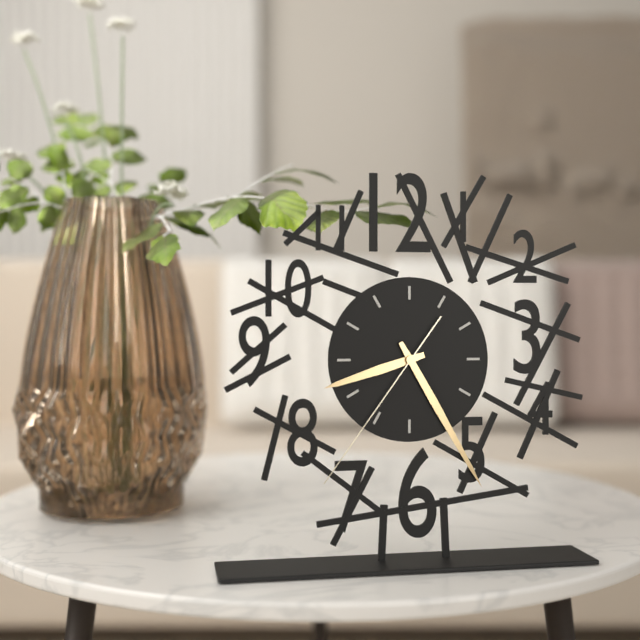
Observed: 8.25.36
